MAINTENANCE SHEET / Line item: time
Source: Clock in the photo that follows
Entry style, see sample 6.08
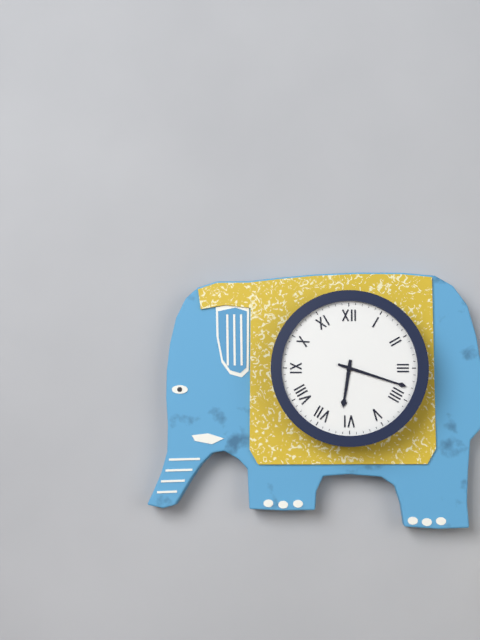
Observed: 6.18
